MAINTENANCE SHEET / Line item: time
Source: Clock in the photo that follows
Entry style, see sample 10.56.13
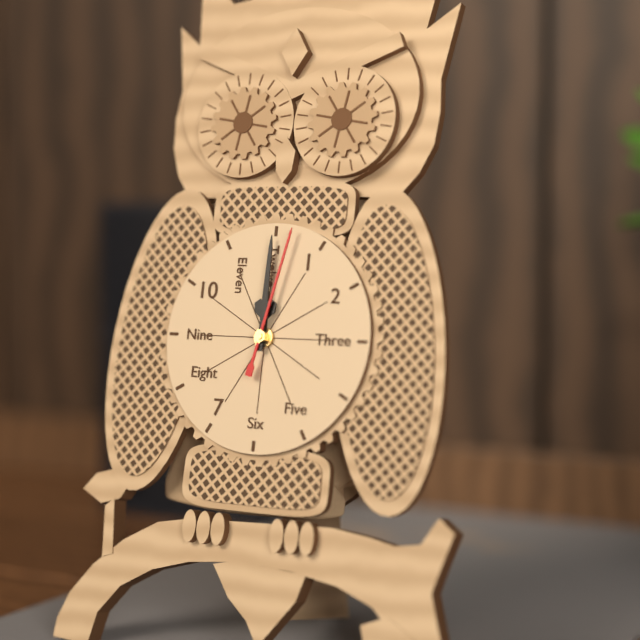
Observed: 12.00.02
